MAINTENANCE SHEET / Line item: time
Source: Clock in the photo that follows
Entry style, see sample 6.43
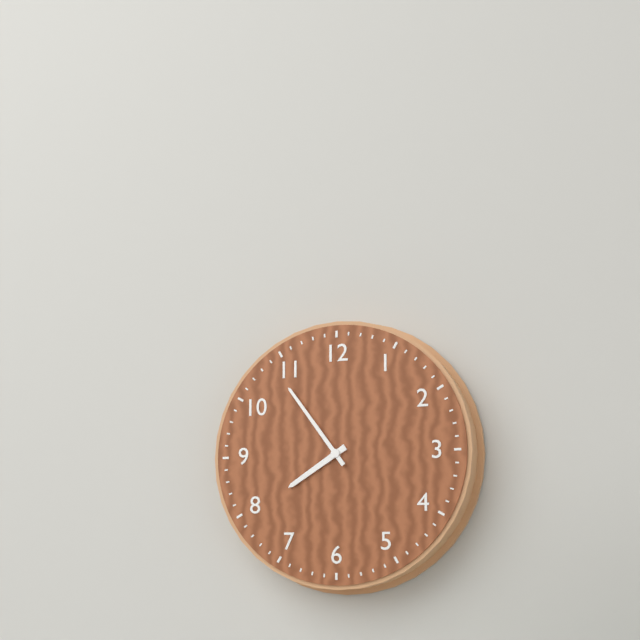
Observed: 7.54
